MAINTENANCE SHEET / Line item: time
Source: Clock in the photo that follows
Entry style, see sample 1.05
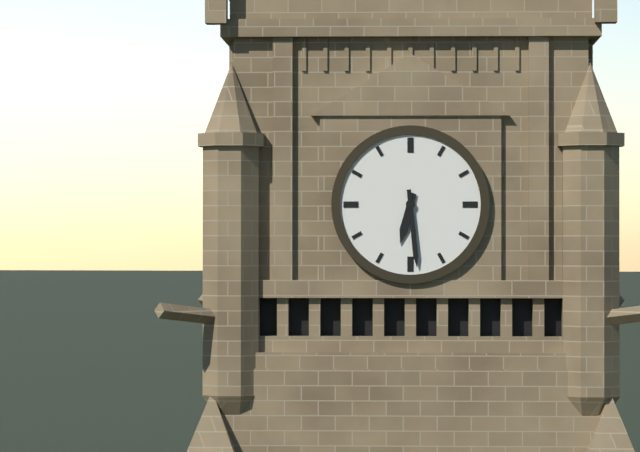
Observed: 6.29
